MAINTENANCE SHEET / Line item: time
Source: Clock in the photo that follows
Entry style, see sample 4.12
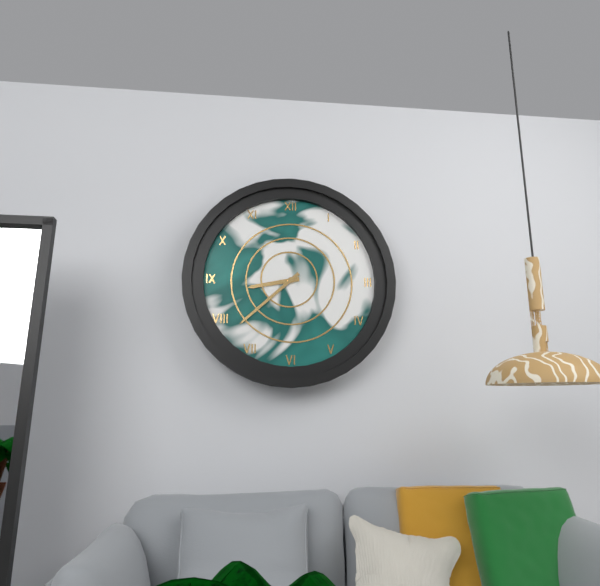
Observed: 8.38
